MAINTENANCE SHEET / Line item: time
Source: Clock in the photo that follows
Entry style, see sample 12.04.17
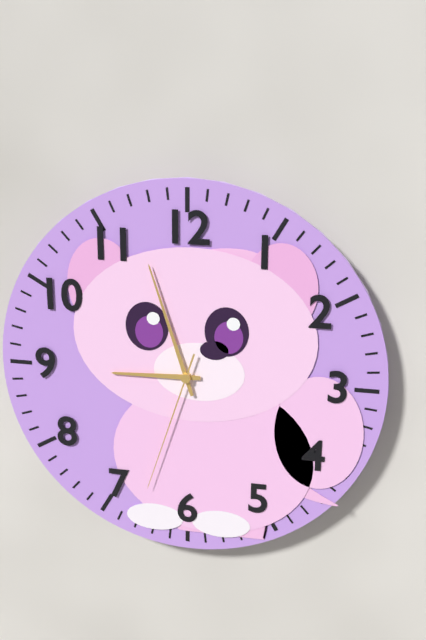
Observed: 8.57.33
